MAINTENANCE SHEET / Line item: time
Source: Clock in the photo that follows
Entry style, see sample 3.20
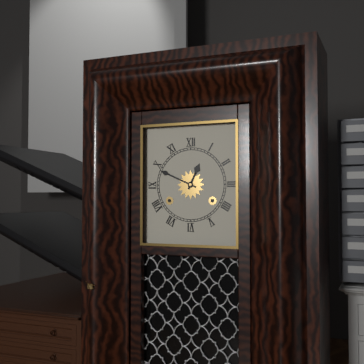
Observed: 12.49
